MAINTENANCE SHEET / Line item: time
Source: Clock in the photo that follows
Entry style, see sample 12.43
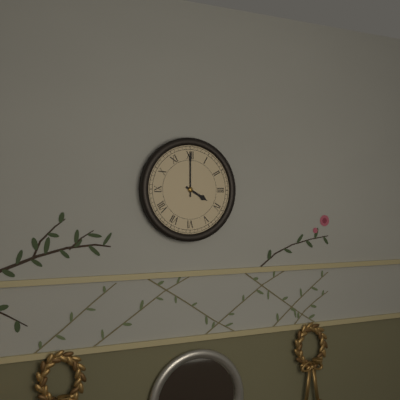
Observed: 4.00
